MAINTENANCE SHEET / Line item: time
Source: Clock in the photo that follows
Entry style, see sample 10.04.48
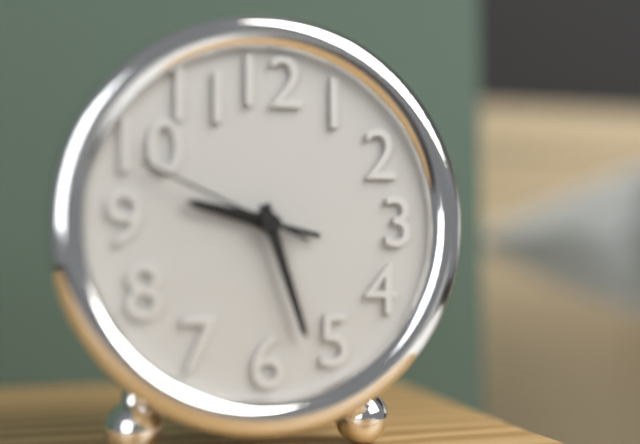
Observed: 9.27.49
